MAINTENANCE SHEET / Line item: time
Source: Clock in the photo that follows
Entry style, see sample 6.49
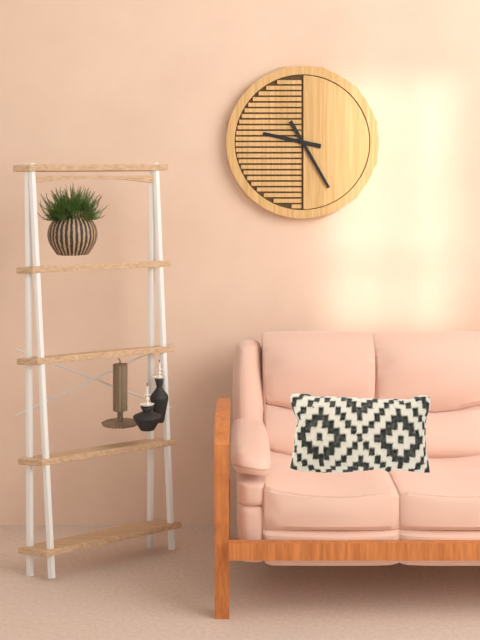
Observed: 9.25
